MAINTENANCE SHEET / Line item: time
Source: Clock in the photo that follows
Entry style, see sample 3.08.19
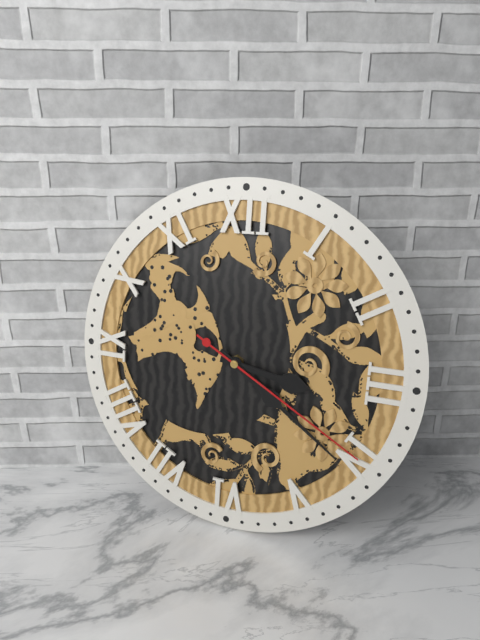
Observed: 3.21.20
